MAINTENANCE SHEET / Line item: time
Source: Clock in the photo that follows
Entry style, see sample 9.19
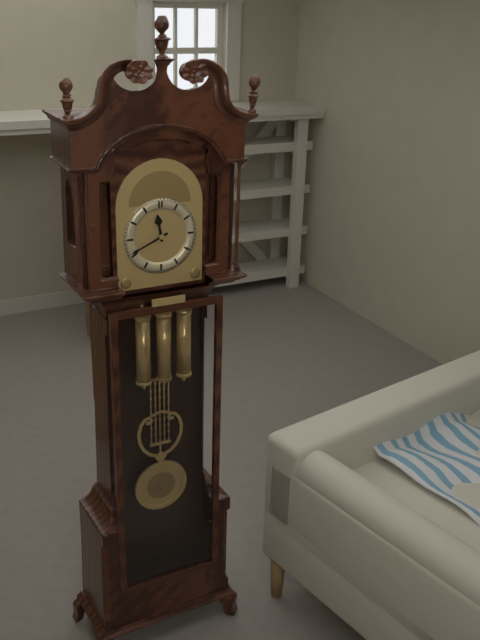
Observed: 11.41
